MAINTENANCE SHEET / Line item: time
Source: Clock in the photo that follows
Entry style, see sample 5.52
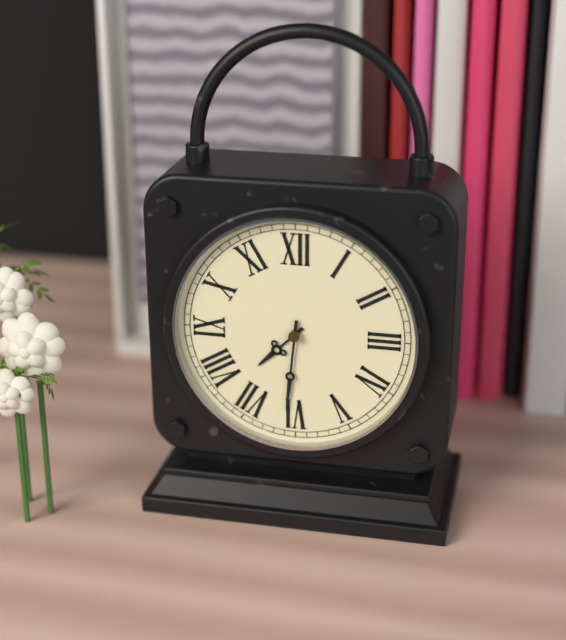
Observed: 7.31
